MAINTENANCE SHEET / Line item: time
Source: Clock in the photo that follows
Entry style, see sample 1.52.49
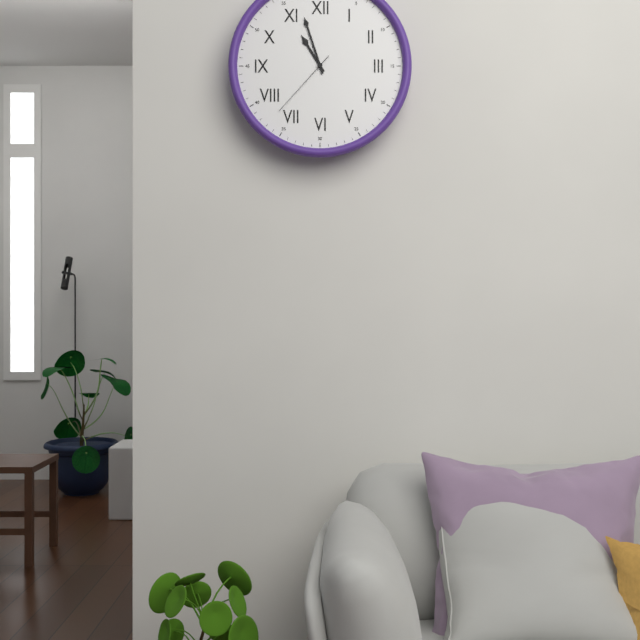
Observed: 10.57.37
